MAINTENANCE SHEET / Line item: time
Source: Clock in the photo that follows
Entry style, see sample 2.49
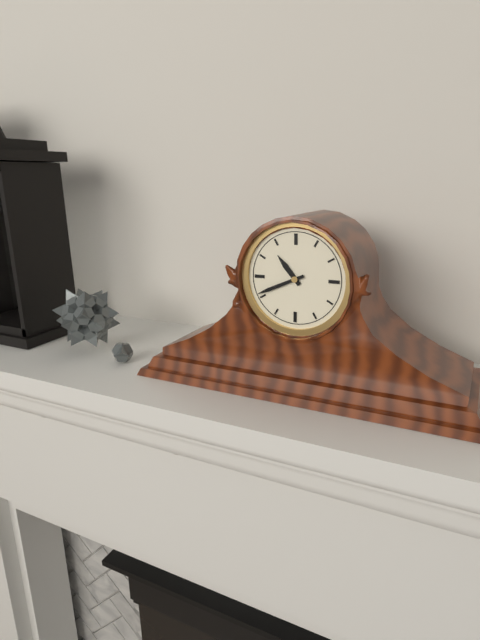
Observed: 10.41
